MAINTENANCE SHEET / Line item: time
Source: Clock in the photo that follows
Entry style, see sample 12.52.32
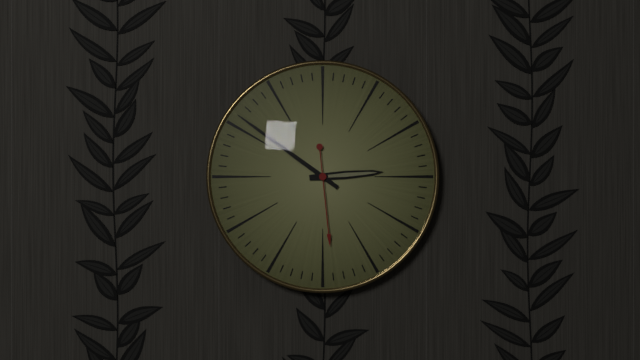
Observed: 2.51.29
